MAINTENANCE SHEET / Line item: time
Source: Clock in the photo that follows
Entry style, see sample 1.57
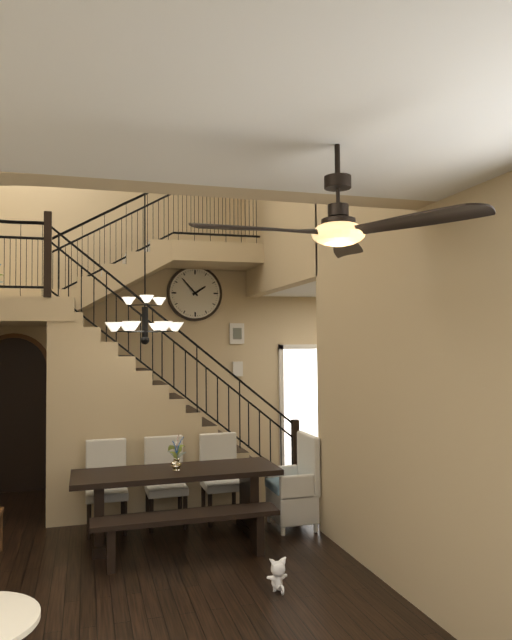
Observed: 1.53
